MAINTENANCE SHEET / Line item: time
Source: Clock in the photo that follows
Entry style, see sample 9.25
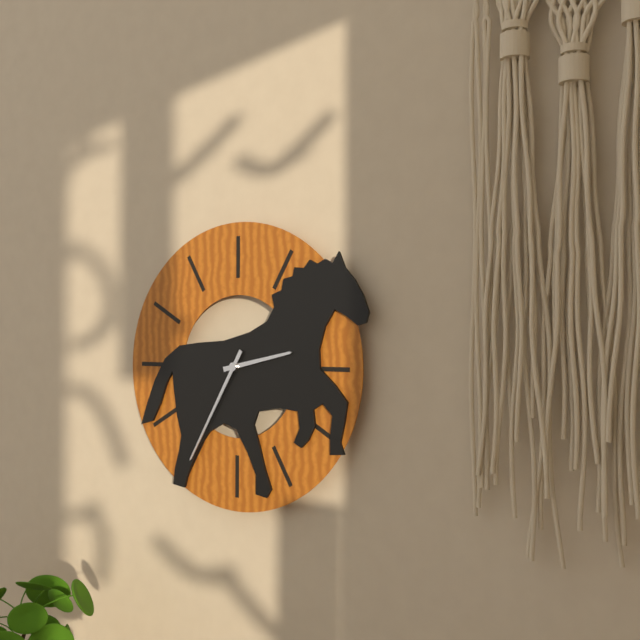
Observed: 2.35
